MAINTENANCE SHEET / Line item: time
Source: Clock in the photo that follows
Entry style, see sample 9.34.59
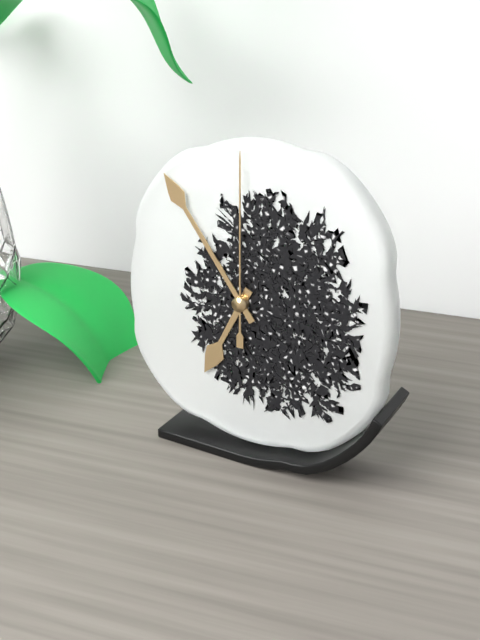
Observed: 6.54.00
